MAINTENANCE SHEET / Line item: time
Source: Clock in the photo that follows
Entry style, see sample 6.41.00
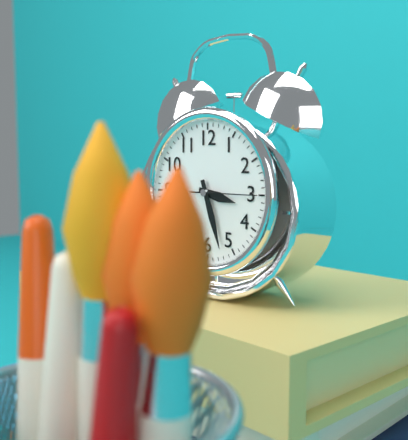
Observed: 3.27.15
